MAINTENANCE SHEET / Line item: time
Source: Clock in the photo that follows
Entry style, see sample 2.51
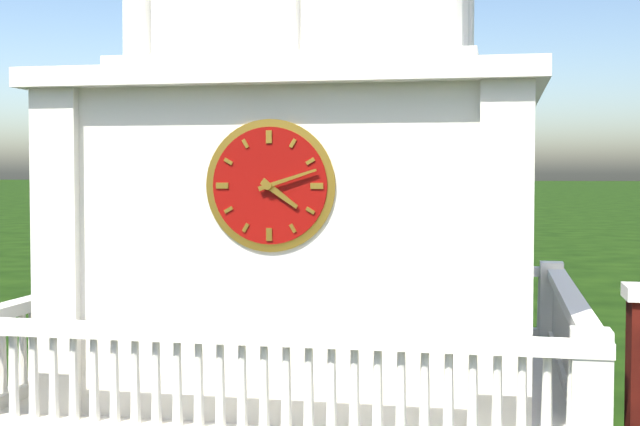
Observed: 4.12
